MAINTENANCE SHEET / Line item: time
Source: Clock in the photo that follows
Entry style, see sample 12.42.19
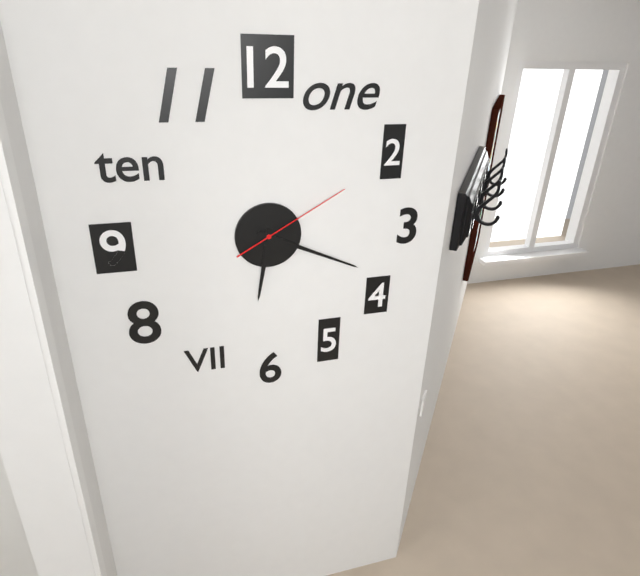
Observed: 6.19.10
